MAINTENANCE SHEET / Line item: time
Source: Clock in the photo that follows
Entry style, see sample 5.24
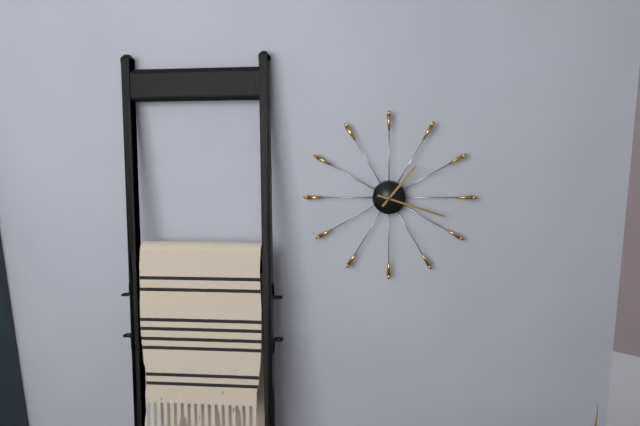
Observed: 1.18
